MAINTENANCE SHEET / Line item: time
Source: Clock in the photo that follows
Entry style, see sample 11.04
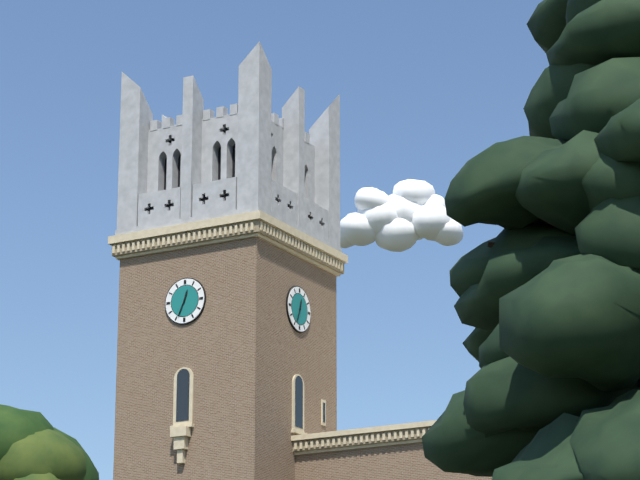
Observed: 12.34
